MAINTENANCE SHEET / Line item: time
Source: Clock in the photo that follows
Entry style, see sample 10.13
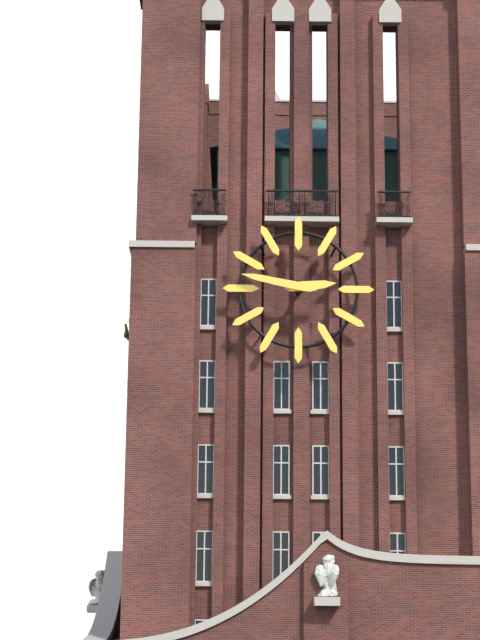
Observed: 2.47
